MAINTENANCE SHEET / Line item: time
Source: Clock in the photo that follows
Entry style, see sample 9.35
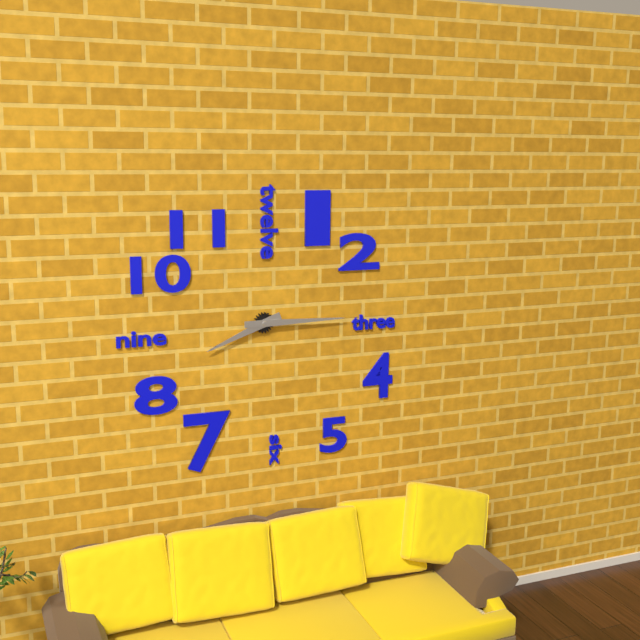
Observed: 8.15
